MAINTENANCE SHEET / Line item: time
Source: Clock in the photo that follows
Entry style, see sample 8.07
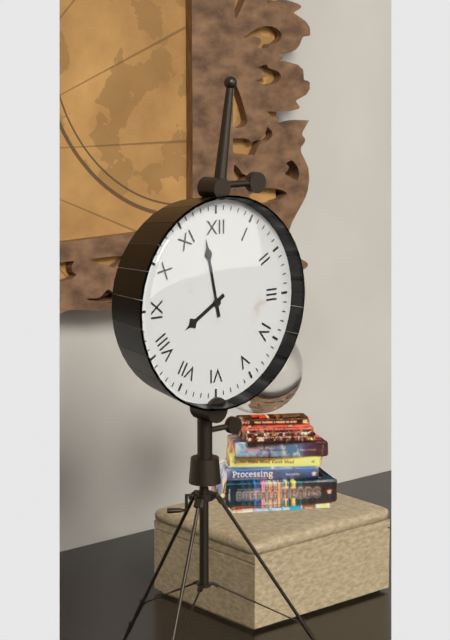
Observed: 7.58
